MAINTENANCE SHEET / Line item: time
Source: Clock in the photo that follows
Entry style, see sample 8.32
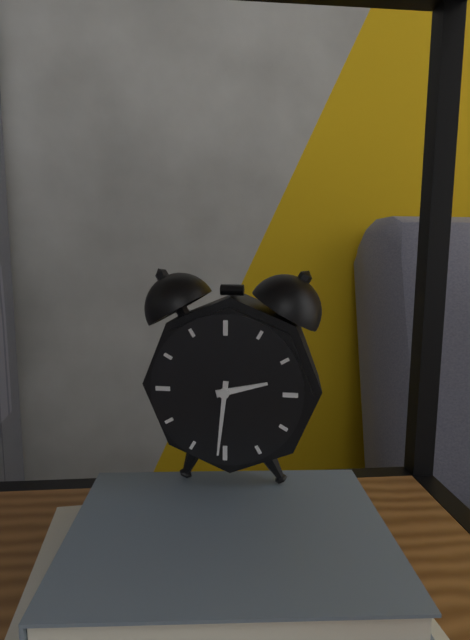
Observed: 2.31
